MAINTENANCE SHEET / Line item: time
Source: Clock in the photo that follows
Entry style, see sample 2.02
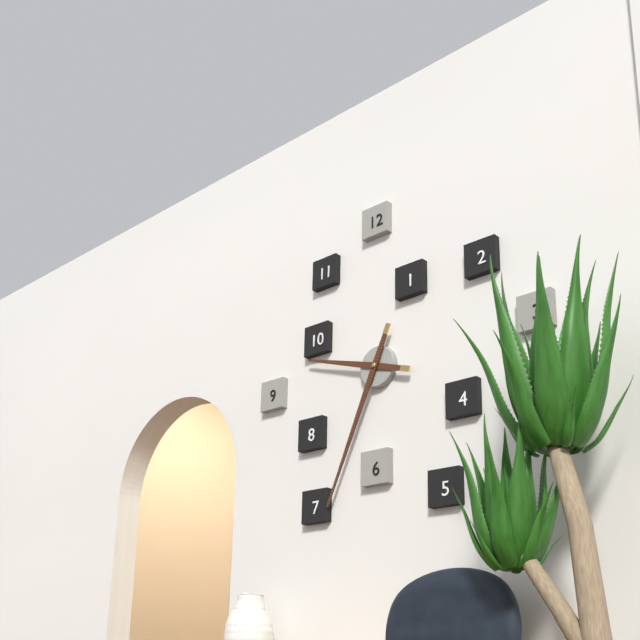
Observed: 9.34
